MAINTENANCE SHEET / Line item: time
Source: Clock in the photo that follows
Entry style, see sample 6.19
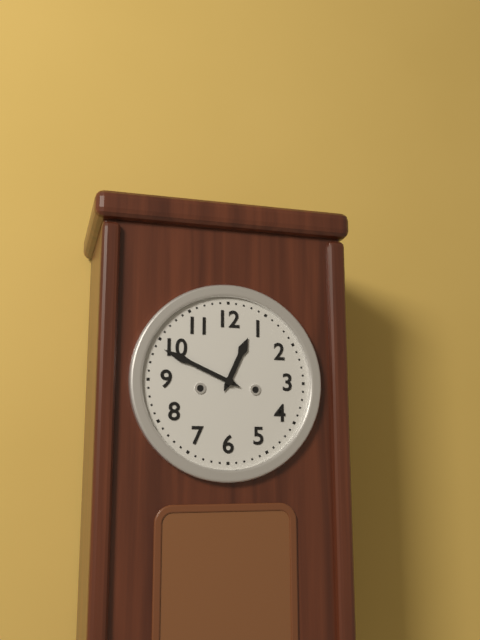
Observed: 12.49
